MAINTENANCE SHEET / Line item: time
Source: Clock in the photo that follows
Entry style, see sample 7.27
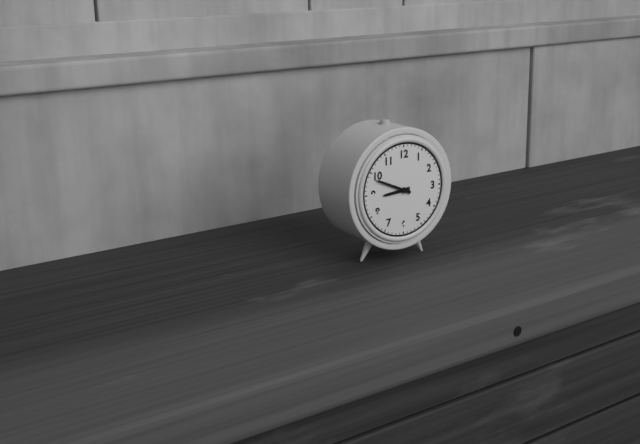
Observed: 8.49
